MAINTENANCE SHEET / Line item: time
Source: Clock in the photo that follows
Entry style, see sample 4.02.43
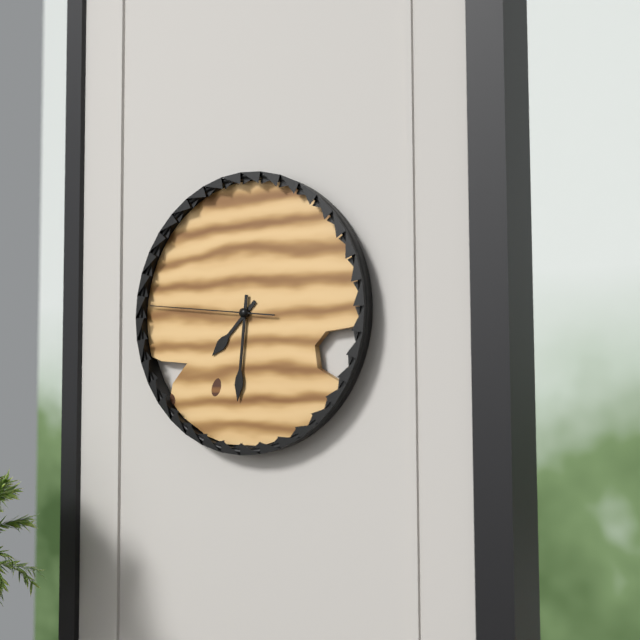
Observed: 7.31.46
